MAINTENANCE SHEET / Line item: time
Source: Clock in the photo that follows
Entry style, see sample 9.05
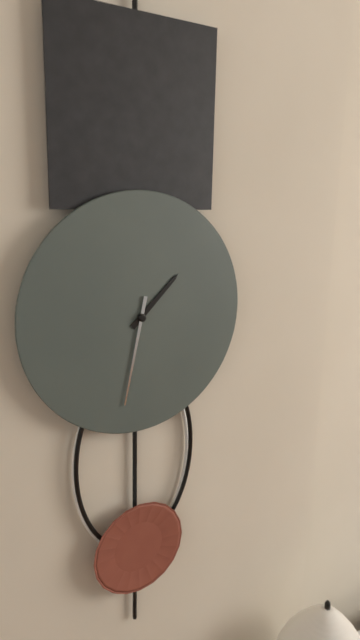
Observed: 1.32
